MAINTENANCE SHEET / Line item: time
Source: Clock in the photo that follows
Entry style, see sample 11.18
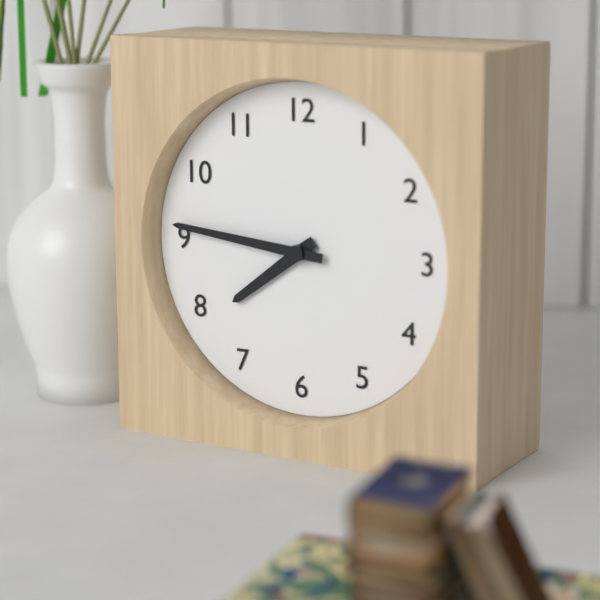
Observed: 7.46
